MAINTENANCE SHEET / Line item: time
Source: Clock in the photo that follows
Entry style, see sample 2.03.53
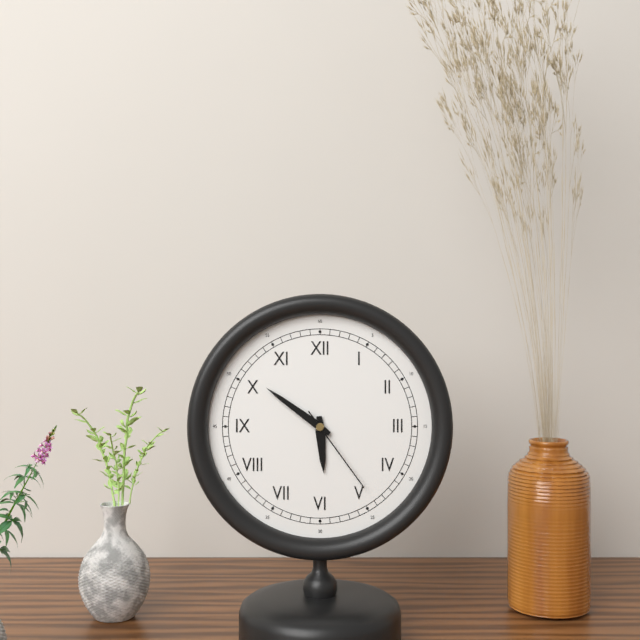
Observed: 5.51.24
